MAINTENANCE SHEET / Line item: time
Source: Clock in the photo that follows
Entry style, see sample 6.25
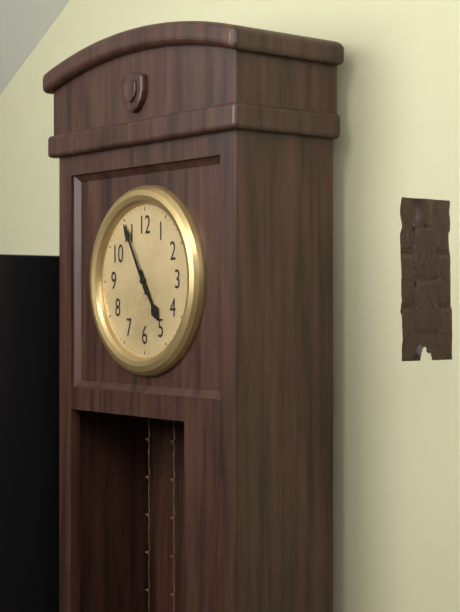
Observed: 4.55
